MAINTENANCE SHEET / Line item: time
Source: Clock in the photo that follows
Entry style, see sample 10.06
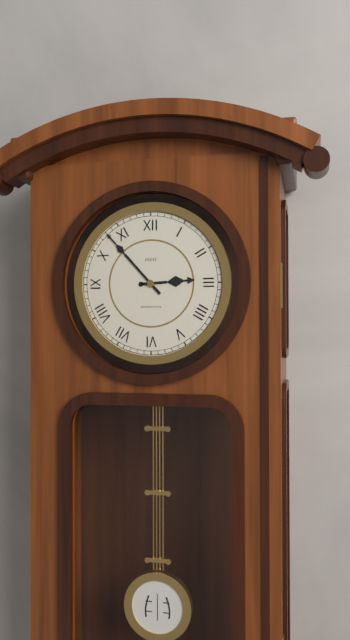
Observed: 2.53
